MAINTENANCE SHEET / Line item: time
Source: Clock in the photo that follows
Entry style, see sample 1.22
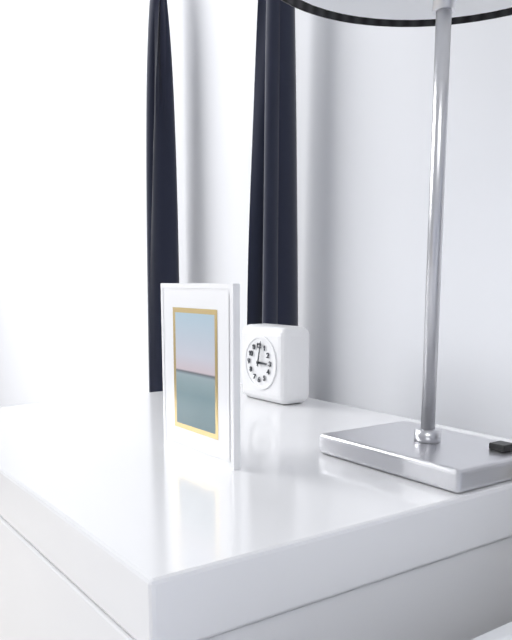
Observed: 3.02
